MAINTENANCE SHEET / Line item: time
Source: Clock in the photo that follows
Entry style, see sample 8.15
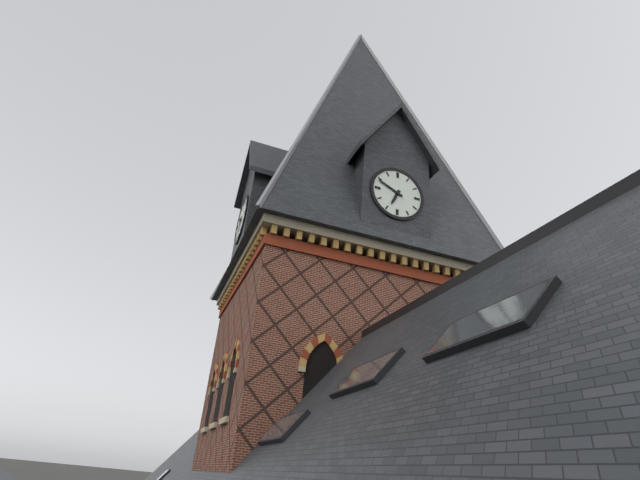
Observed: 6.49
